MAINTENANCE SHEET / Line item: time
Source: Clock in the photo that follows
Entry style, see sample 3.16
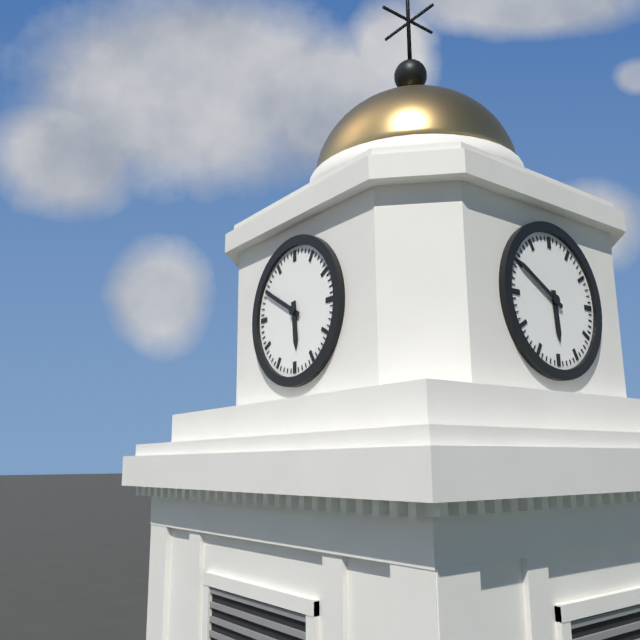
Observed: 5.50
